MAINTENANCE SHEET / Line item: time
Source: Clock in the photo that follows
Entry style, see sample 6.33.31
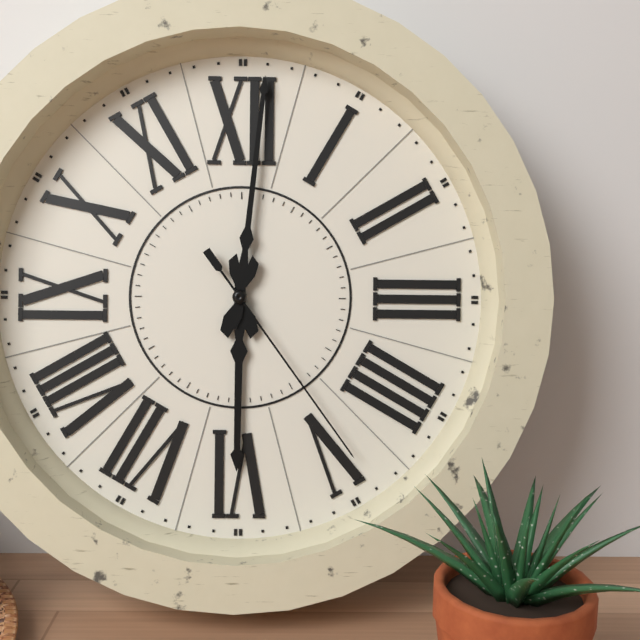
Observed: 6.01.24
